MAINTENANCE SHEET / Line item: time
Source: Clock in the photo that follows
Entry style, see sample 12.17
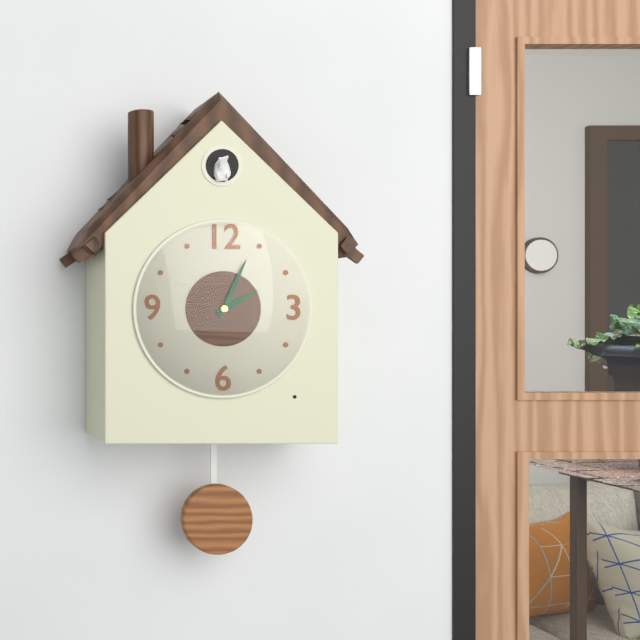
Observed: 2.04
